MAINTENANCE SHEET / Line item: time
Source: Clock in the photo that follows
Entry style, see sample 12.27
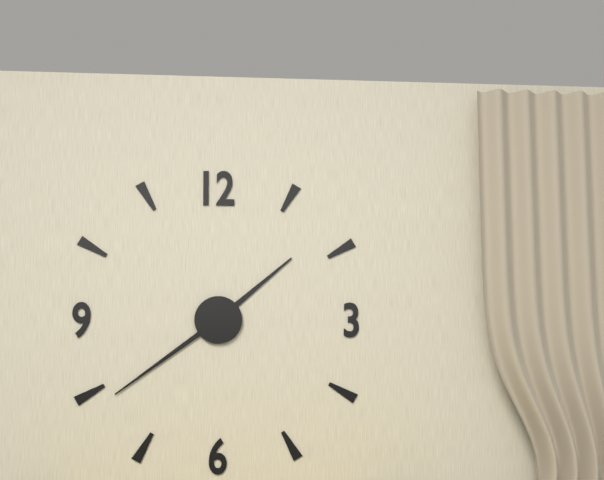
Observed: 1.39
